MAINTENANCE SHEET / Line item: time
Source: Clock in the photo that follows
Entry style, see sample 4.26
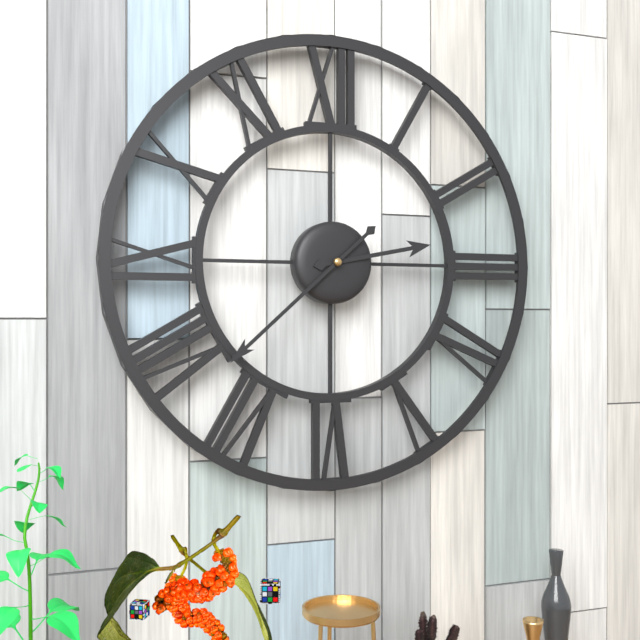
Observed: 2.38
